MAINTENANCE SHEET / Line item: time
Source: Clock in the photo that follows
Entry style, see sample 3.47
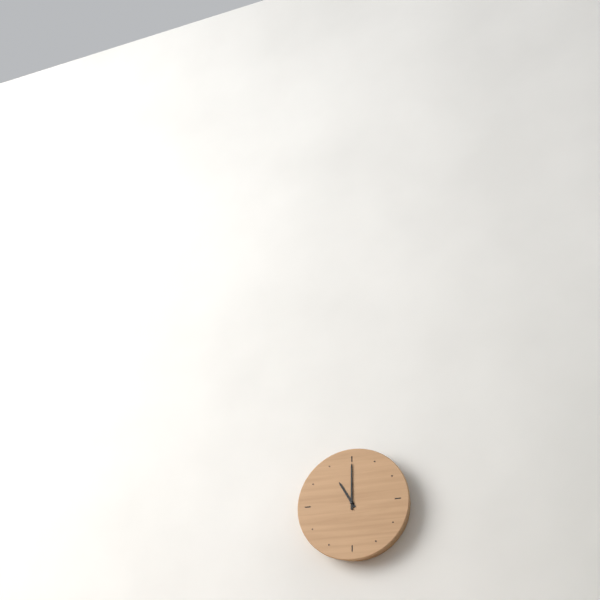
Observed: 11.00
